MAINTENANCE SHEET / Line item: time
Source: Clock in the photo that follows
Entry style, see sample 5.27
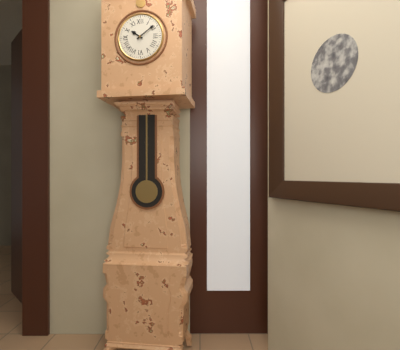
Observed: 10.09
